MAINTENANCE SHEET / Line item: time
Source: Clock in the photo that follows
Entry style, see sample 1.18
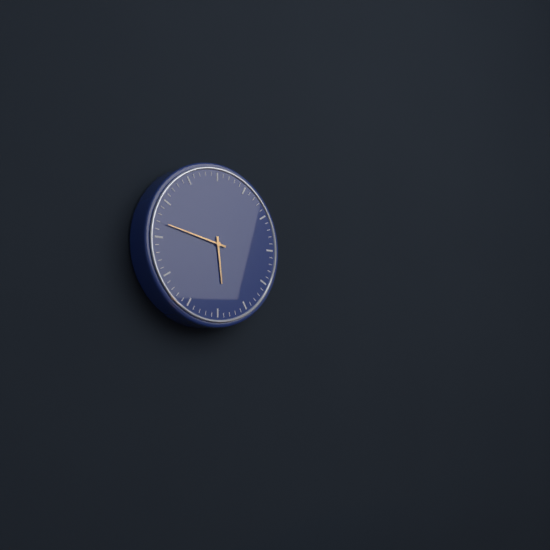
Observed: 5.47
